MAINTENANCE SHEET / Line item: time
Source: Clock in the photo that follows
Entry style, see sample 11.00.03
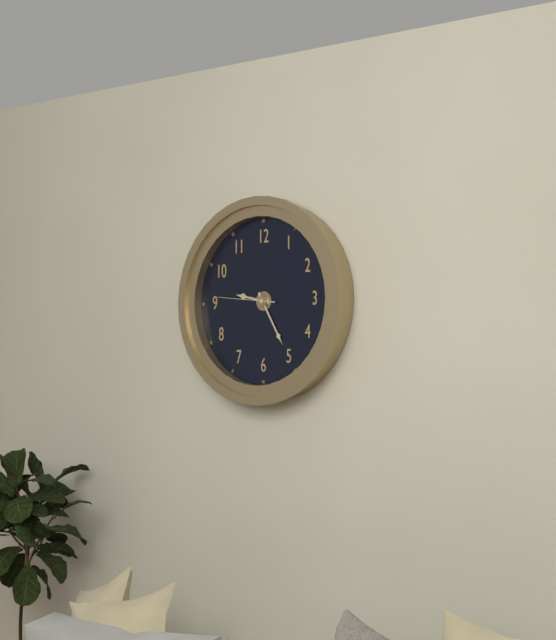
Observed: 9.25.46
